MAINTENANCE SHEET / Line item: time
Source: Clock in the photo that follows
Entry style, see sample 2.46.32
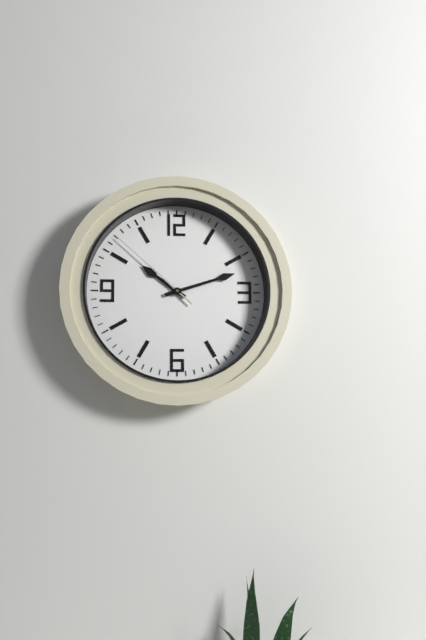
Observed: 10.12.52
